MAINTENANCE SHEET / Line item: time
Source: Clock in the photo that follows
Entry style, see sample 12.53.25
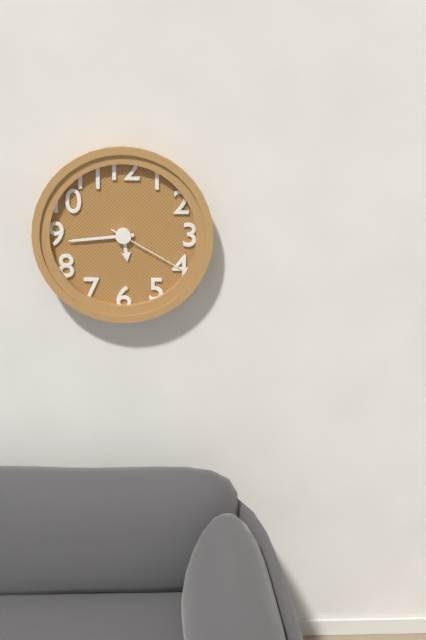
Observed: 5.44.20
